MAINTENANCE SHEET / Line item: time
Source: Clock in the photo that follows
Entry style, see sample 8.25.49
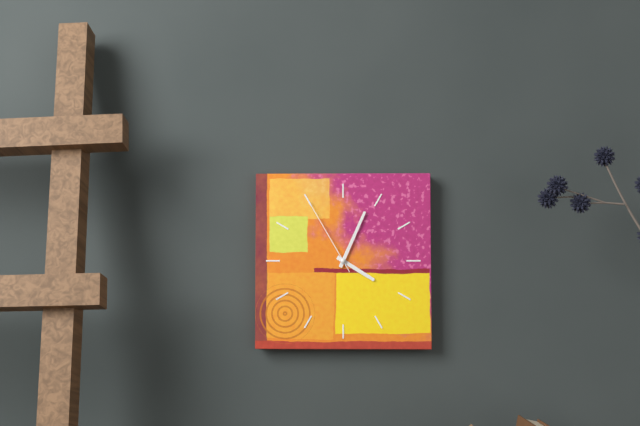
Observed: 4.04.55
